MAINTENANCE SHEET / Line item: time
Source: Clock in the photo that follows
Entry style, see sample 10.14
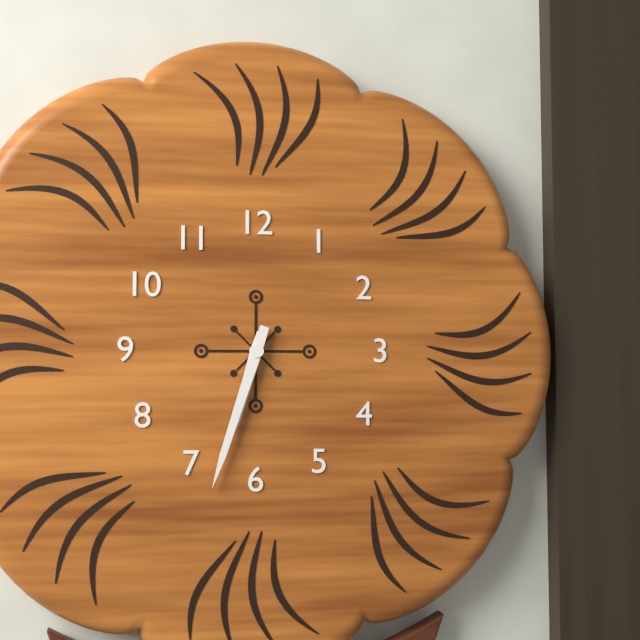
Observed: 6.33
